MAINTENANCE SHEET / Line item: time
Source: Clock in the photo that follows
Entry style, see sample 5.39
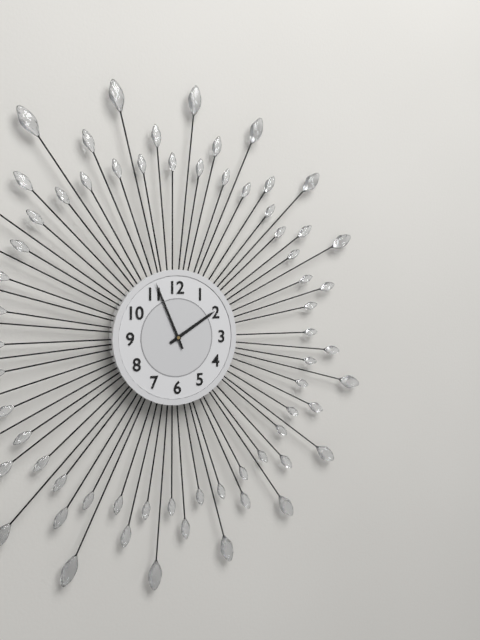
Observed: 1.56
